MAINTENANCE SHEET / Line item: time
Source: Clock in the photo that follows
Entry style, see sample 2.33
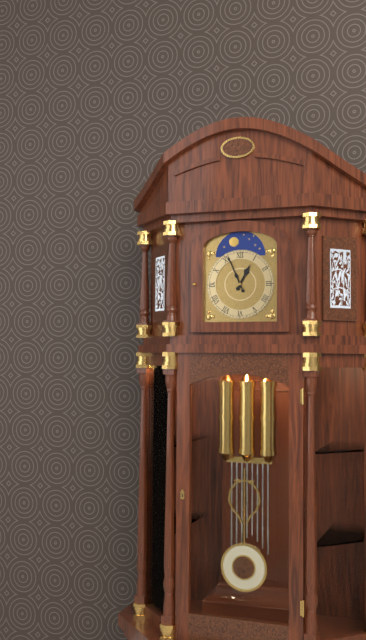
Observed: 12.56
